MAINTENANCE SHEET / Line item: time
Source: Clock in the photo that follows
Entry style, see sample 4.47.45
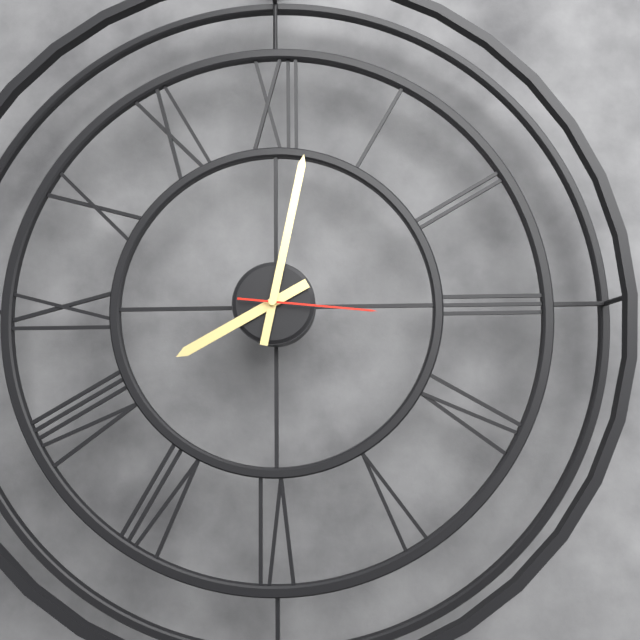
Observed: 8.02.16
